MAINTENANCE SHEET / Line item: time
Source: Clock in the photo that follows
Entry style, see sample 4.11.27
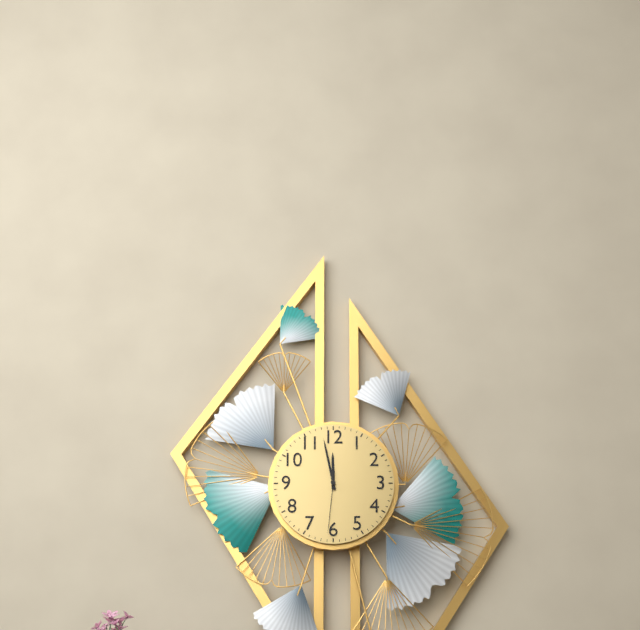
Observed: 11.58.31
